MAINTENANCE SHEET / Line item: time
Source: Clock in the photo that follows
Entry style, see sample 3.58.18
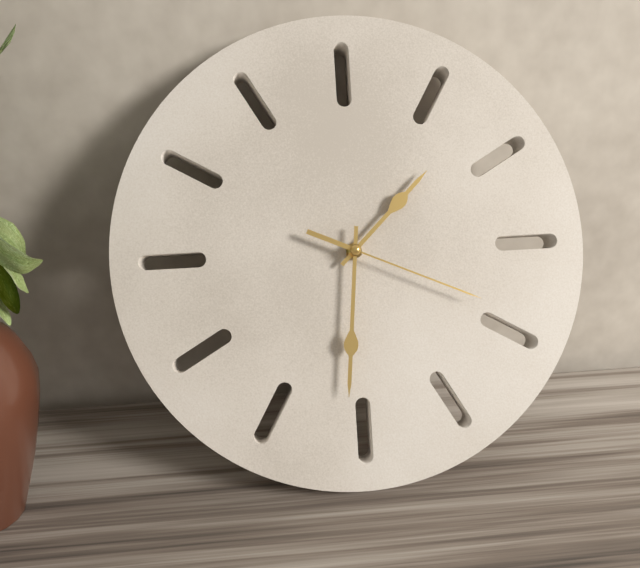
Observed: 1.31.19
